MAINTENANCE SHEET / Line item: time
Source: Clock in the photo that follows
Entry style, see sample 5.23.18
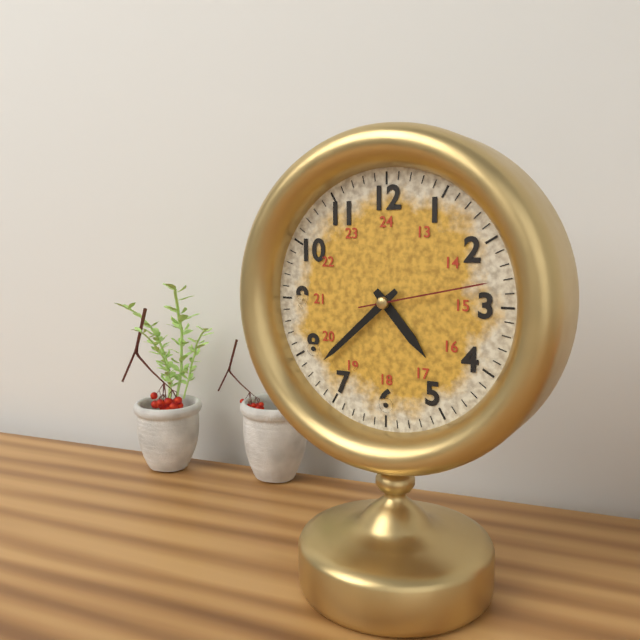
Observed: 4.38.13
